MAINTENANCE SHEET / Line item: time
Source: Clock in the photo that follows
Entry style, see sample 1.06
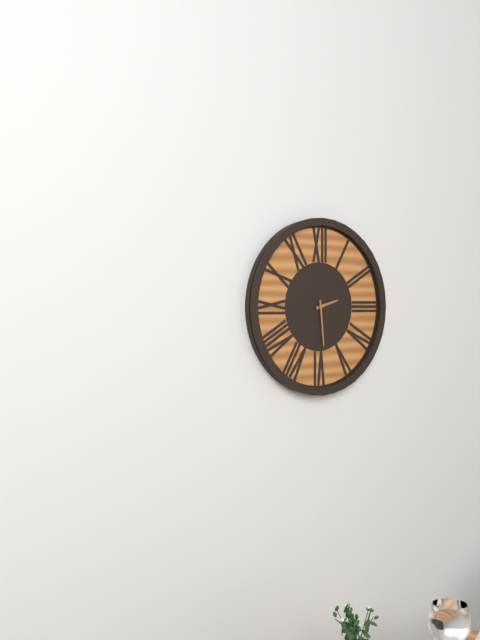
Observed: 2.29
